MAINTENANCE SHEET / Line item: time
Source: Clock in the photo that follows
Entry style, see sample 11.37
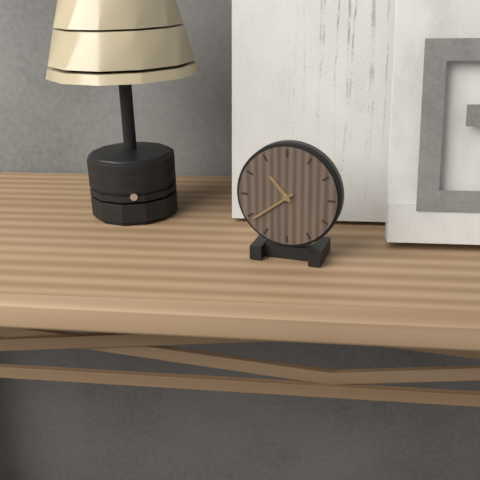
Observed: 10.39
